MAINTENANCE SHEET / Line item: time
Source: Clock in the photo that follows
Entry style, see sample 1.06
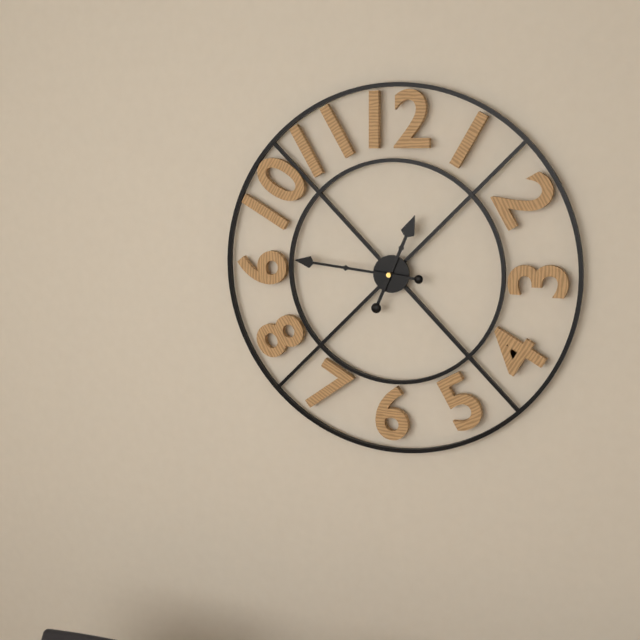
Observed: 12.46
